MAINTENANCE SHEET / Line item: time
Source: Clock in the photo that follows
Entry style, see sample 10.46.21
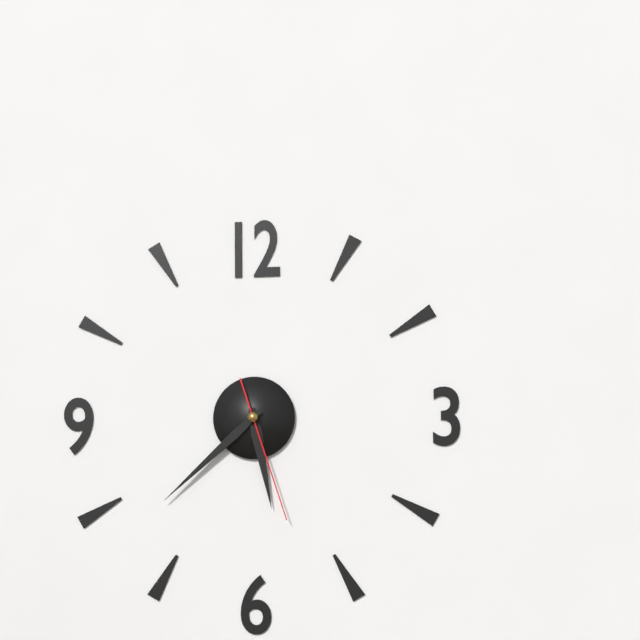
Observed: 5.38.27
